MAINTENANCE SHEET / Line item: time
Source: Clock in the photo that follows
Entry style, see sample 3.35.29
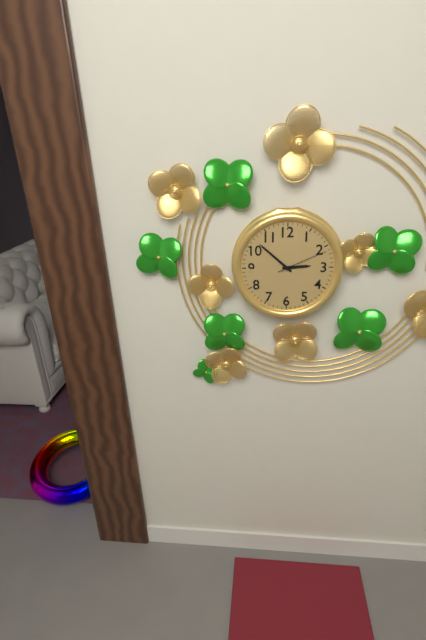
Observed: 2.52.11
